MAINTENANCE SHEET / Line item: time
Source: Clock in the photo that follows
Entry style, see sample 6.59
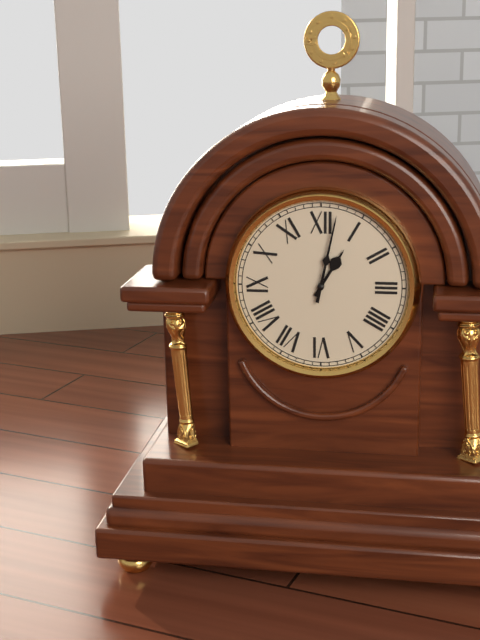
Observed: 1.02
